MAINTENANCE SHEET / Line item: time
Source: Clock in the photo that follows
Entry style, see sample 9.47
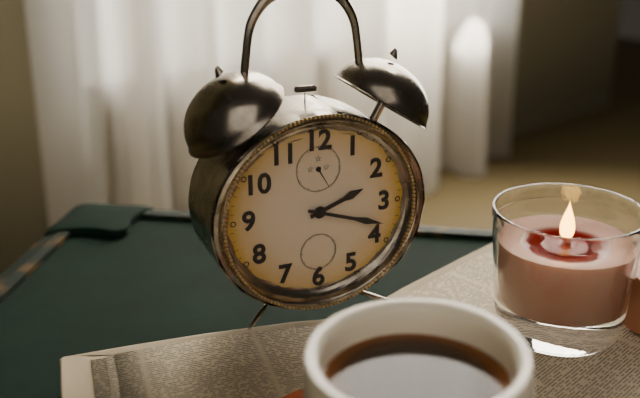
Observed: 2.18
